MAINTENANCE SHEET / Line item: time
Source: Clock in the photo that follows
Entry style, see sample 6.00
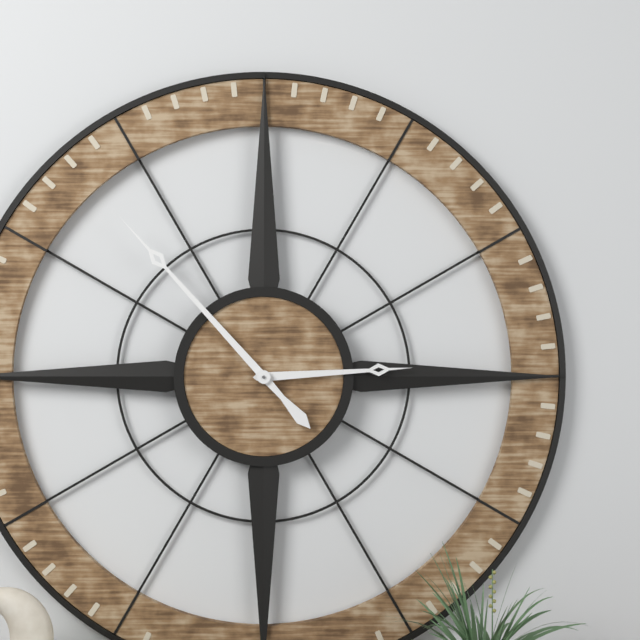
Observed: 2.53
